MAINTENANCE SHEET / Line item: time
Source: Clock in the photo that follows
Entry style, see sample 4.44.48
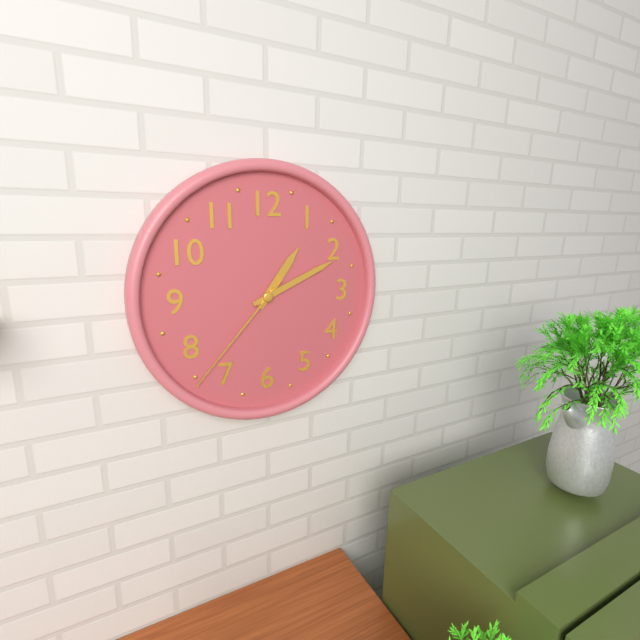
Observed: 1.11.37
